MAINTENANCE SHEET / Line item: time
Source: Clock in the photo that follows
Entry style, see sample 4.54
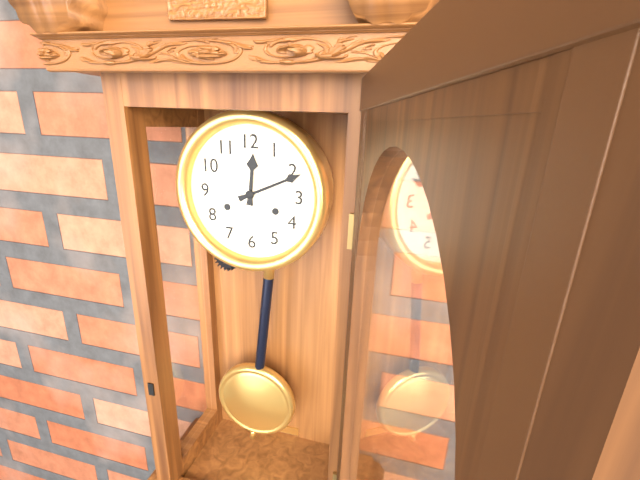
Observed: 12.11
